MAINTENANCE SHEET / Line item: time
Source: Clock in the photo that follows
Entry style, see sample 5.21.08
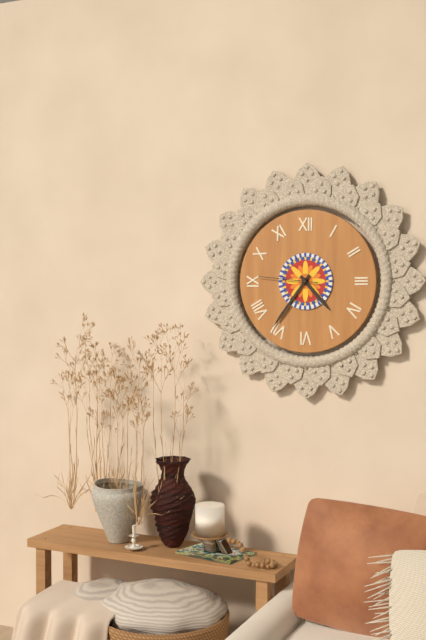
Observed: 4.36.46
